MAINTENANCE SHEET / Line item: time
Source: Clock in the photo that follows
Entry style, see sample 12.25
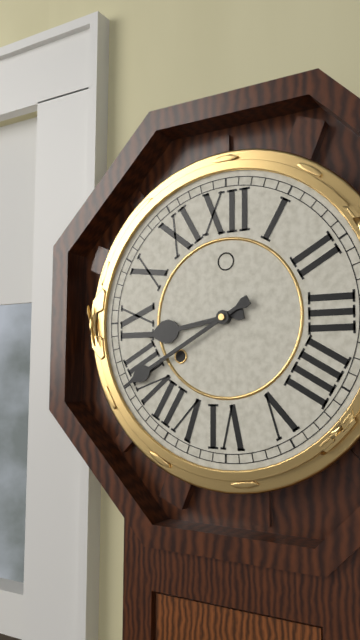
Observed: 8.40
